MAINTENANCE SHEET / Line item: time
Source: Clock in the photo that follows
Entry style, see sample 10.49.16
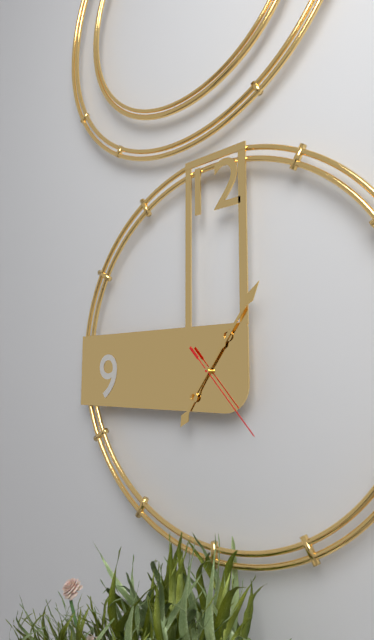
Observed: 7.06.23
